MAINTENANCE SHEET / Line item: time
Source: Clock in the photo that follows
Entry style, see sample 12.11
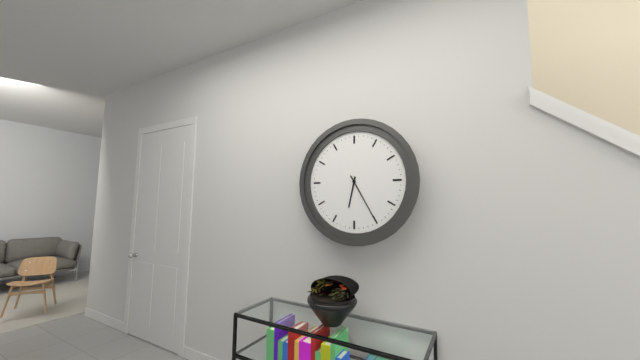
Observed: 6.25
